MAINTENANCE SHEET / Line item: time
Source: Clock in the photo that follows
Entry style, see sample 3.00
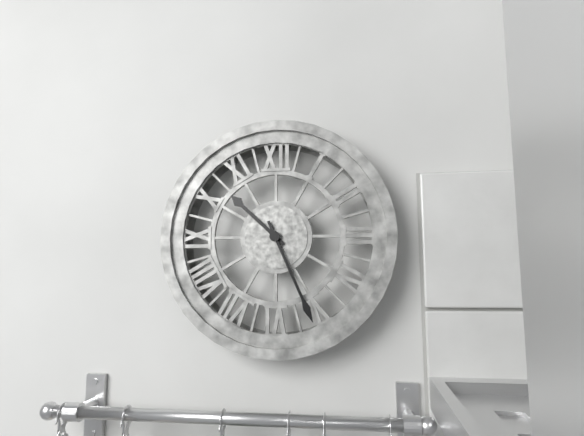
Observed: 10.26
